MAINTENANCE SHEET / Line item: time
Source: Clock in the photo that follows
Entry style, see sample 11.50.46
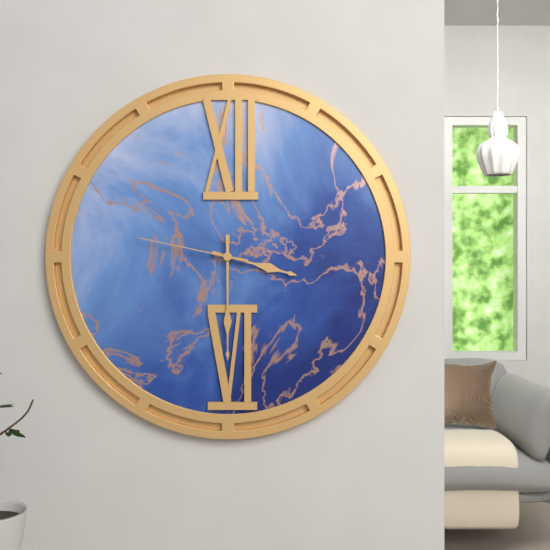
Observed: 3.30.47
